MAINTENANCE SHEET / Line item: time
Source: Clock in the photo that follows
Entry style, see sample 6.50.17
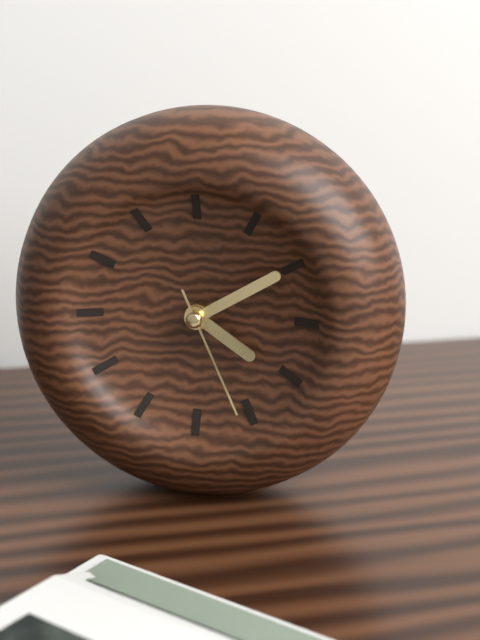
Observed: 4.10.26
